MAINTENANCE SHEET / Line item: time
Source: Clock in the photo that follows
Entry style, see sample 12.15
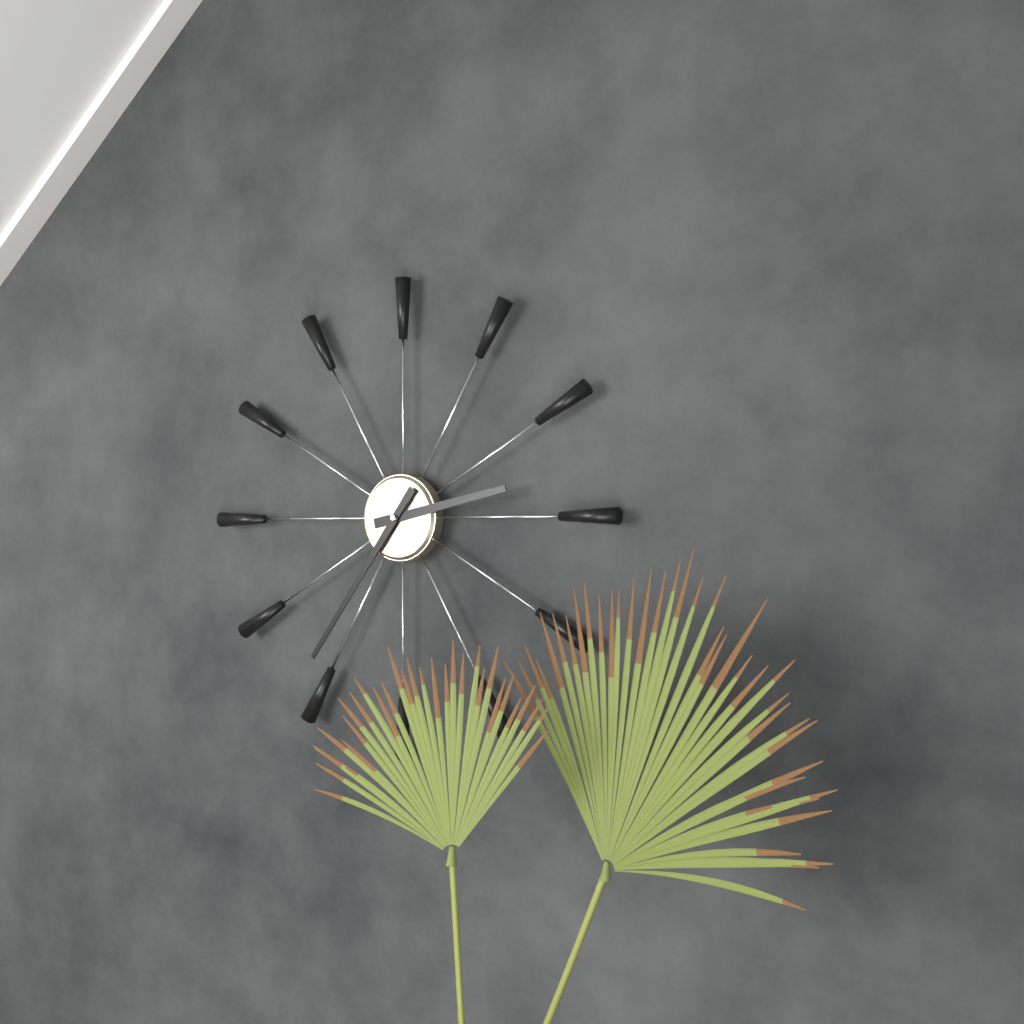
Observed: 2.36
